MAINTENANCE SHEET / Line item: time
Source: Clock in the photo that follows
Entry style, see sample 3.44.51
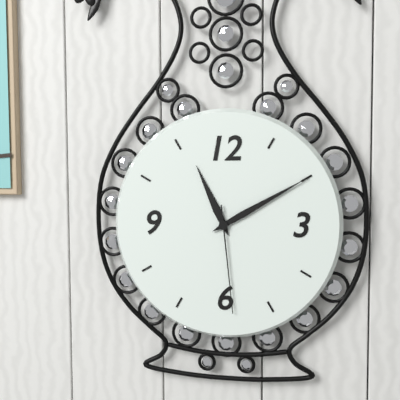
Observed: 11.10.29
